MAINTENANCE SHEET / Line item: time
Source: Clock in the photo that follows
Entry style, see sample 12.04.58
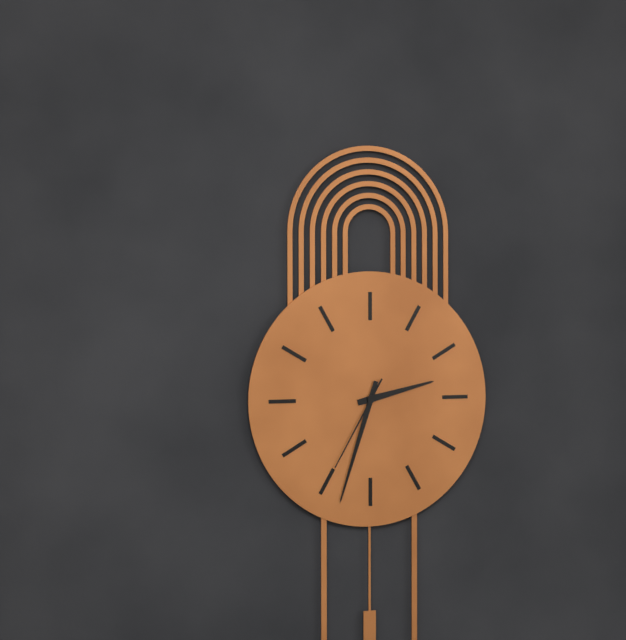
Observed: 2.33.35
